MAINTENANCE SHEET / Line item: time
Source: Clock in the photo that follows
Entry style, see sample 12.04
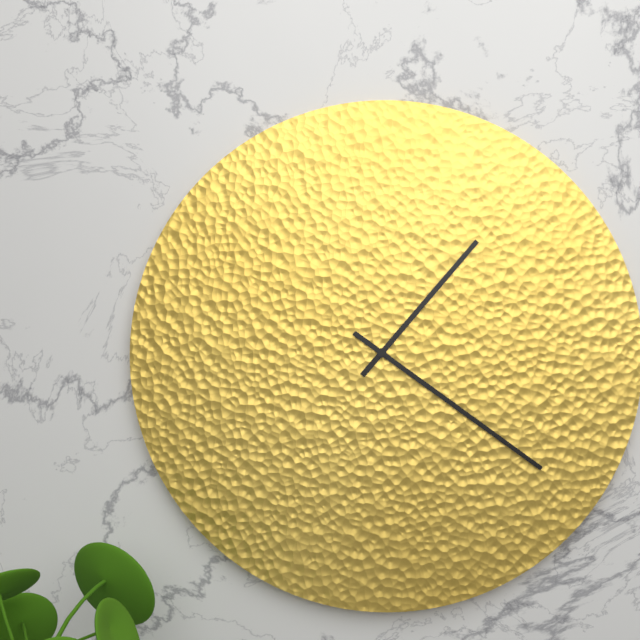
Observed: 1.21
